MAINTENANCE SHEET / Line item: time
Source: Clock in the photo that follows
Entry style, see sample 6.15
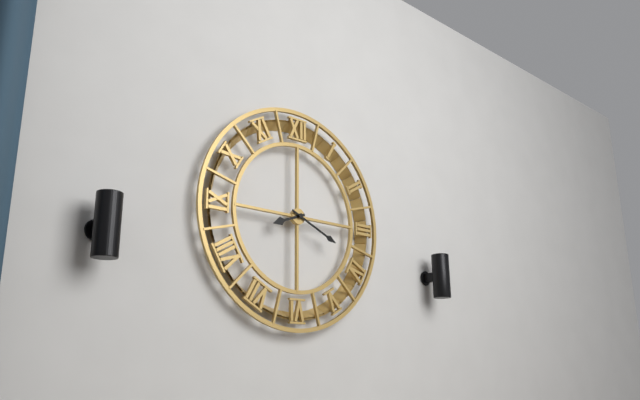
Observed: 8.19
